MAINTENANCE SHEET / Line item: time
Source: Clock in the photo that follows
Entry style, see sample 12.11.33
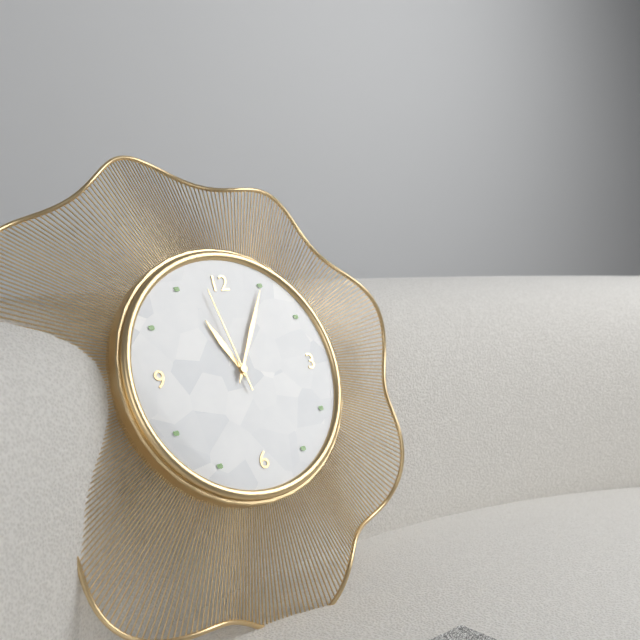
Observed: 11.05.58
